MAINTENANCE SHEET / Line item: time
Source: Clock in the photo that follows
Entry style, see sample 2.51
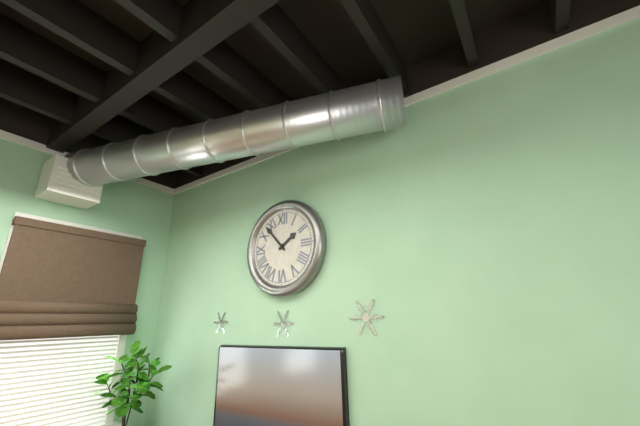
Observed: 1.53
